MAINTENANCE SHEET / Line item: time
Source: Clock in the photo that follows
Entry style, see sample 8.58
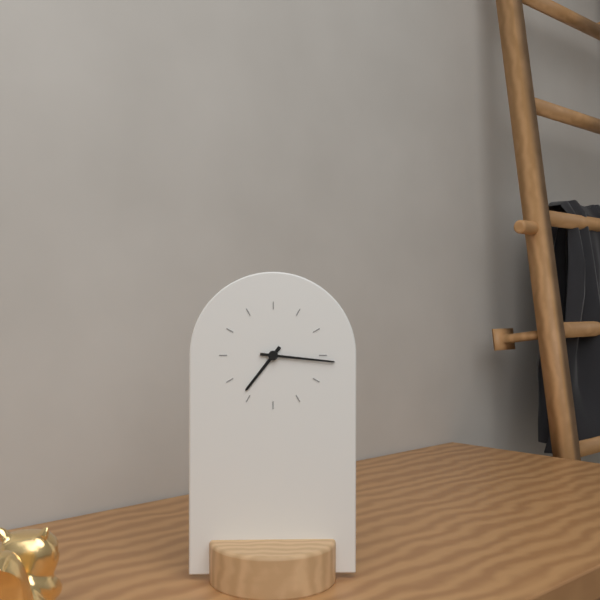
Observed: 7.16
